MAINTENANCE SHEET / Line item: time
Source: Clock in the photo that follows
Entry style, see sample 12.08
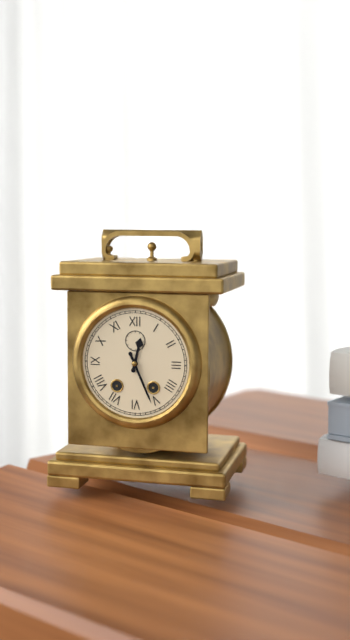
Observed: 12.26
